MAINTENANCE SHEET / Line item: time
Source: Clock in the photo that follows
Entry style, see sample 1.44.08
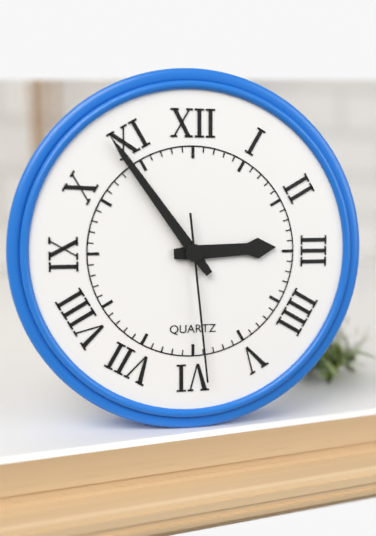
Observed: 2.54.29
